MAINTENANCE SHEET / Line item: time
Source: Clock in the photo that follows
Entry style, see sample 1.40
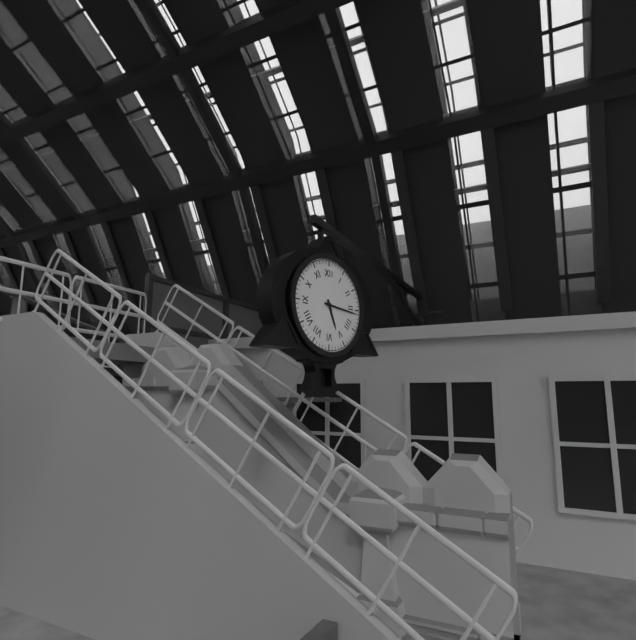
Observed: 5.16
